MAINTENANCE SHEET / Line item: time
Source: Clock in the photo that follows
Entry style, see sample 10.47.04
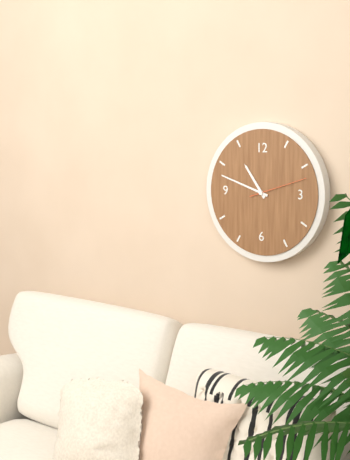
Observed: 10.48.12
